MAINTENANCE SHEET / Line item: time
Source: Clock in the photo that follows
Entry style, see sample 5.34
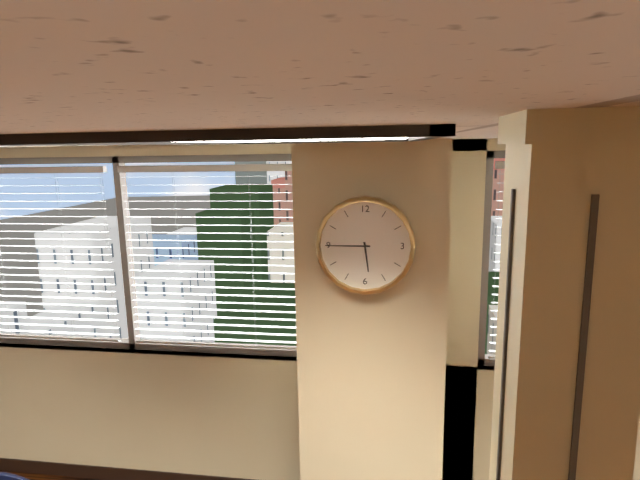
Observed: 5.45
